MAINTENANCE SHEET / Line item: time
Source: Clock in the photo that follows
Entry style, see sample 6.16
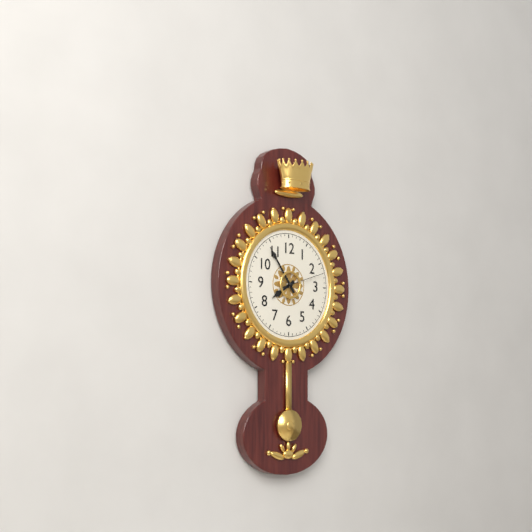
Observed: 7.54
